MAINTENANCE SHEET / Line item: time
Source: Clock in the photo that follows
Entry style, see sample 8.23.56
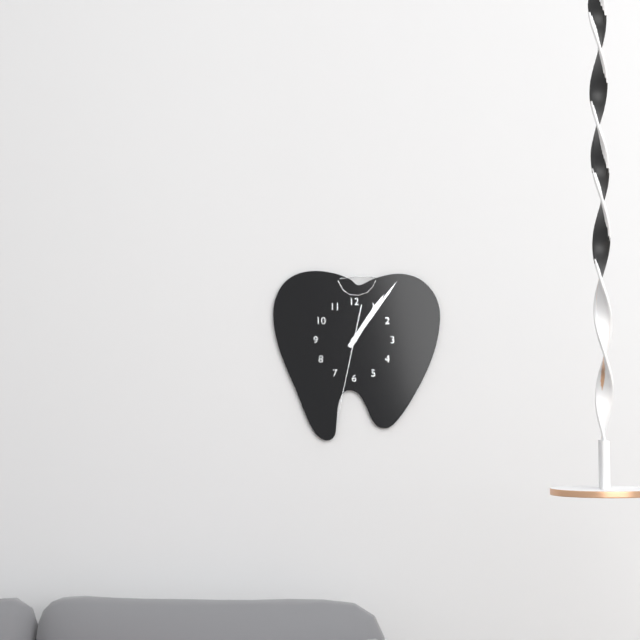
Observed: 1.06.32
